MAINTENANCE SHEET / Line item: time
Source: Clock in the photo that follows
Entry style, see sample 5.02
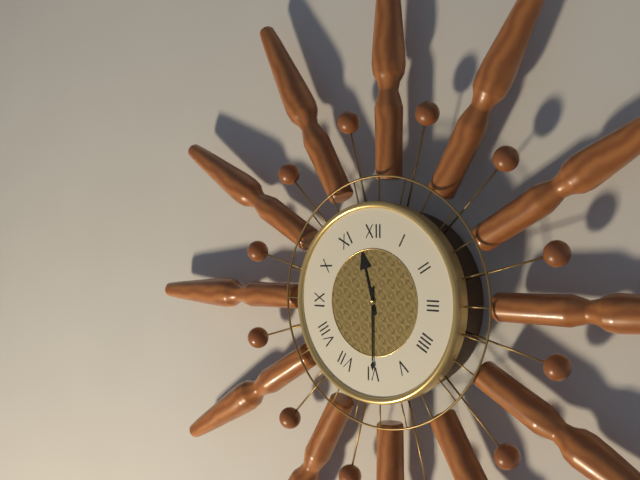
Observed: 11.30
